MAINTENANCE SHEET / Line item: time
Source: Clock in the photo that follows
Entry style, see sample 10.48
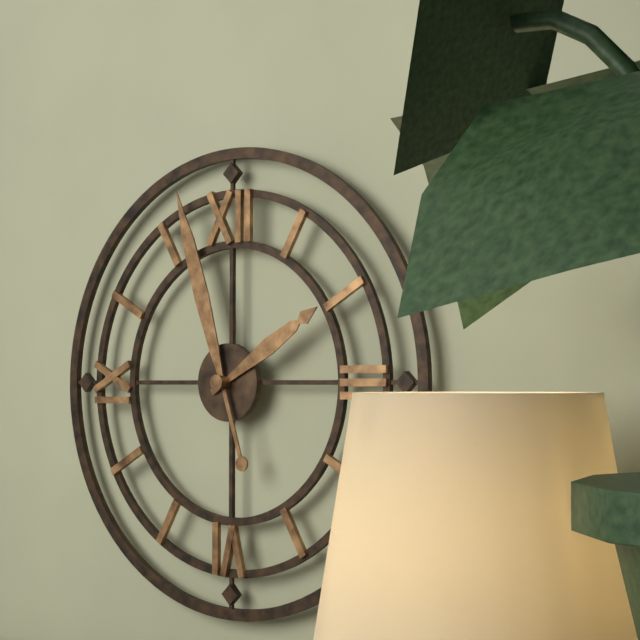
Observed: 1.57
